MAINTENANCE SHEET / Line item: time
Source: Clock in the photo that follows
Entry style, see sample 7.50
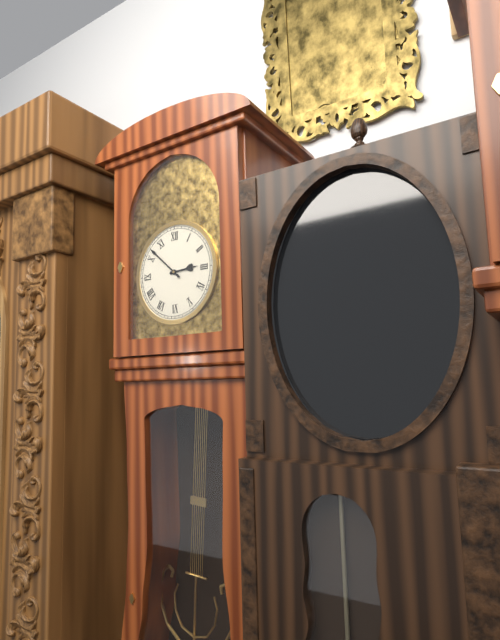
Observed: 2.52
